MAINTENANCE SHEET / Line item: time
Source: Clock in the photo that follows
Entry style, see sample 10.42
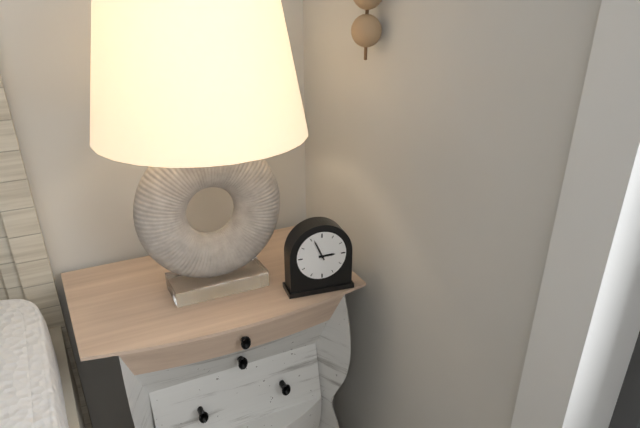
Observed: 2.56
